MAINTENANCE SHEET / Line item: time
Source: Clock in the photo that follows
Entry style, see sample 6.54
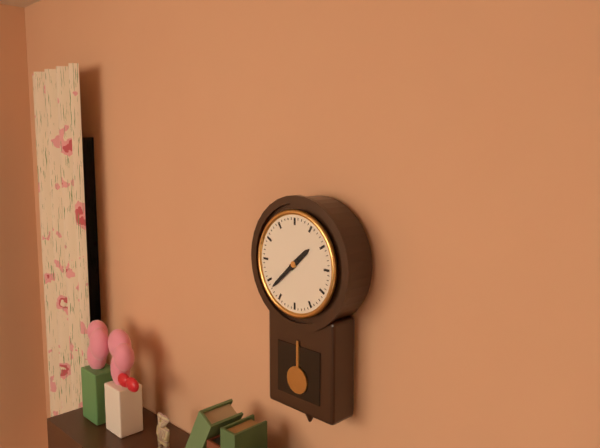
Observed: 1.38
